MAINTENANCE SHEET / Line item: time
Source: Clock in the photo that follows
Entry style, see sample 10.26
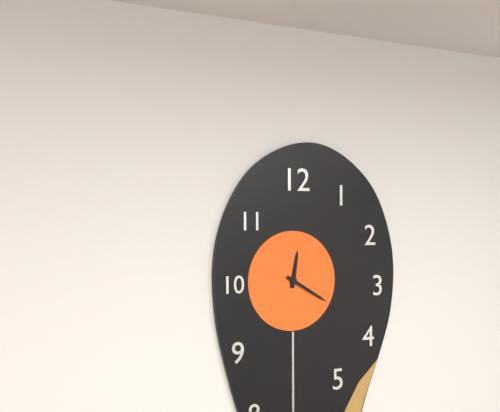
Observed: 12.20
